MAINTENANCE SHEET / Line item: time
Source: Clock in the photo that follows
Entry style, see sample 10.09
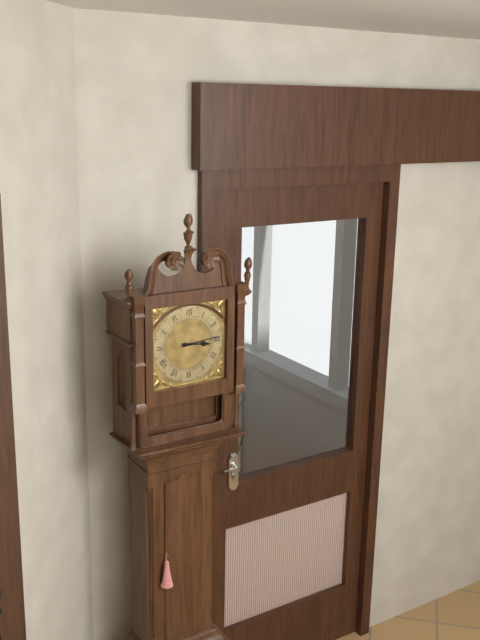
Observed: 3.14
